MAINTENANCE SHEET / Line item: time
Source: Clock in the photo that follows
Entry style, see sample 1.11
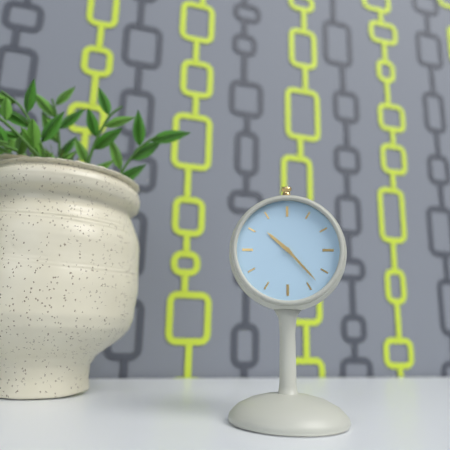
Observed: 10.23
